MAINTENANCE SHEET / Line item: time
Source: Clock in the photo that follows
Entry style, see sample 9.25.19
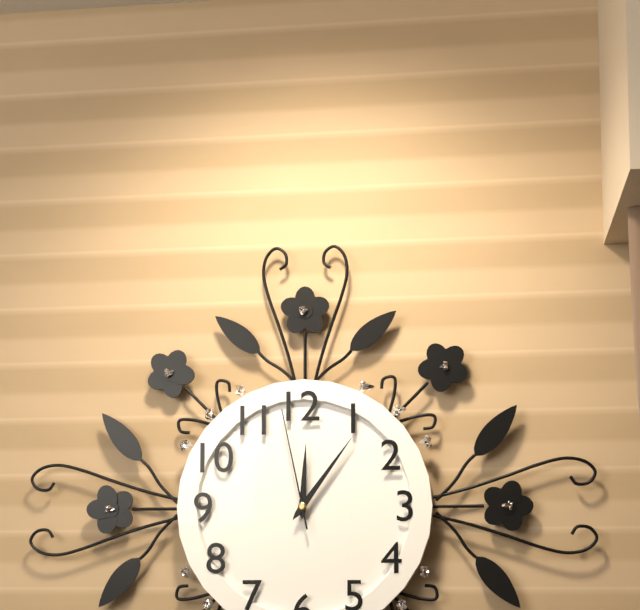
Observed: 12.06.58
